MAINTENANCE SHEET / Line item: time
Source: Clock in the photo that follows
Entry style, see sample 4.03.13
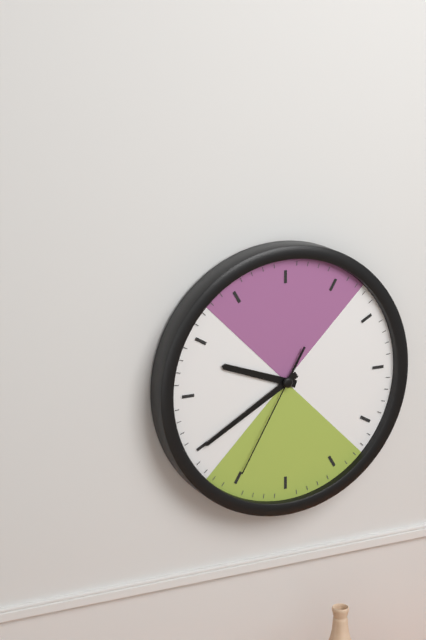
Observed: 9.40.35
